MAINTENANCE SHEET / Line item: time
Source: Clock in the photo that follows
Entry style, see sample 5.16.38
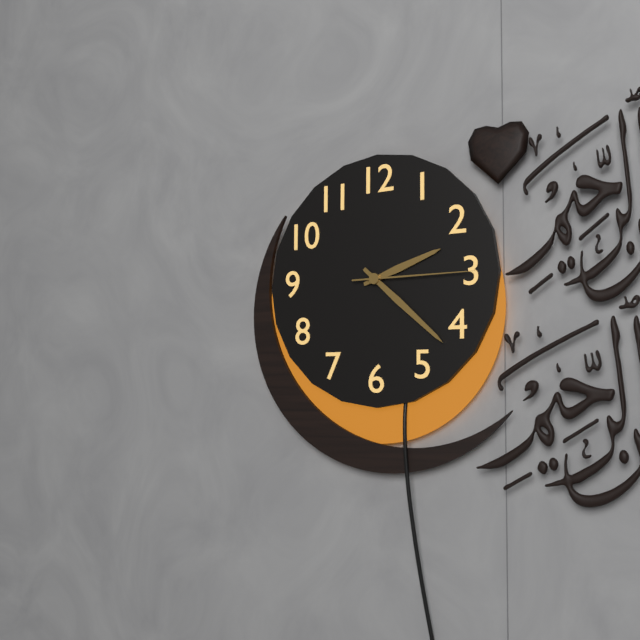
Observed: 2.22.15
